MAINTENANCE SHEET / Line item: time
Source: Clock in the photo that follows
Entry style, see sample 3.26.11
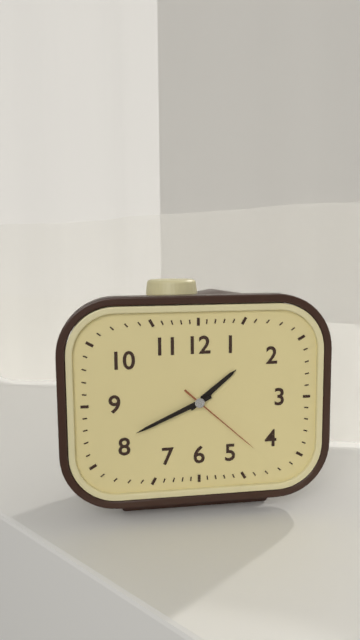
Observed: 1.41.22
